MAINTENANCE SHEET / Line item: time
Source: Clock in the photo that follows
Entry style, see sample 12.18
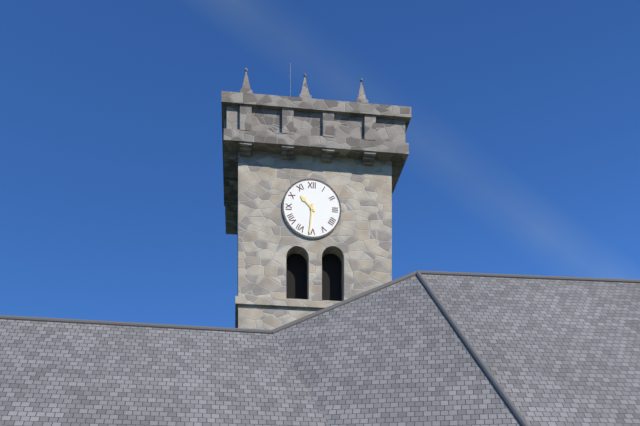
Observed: 10.31
